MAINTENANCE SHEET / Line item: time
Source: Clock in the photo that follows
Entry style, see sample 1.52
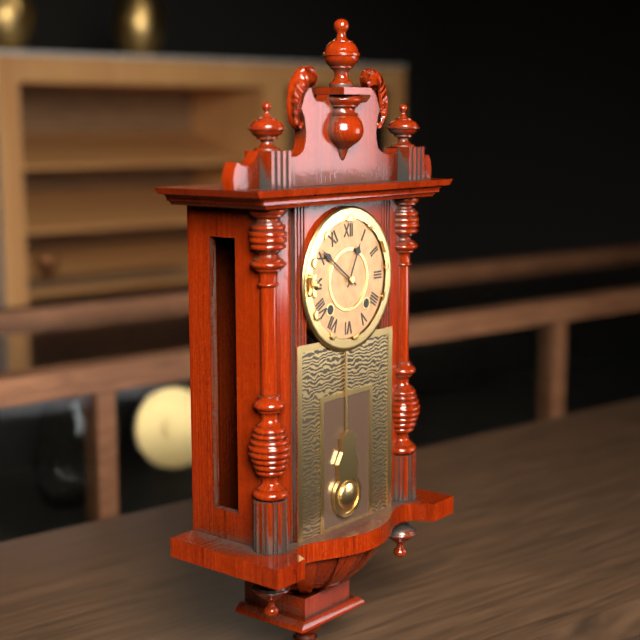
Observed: 12.51
